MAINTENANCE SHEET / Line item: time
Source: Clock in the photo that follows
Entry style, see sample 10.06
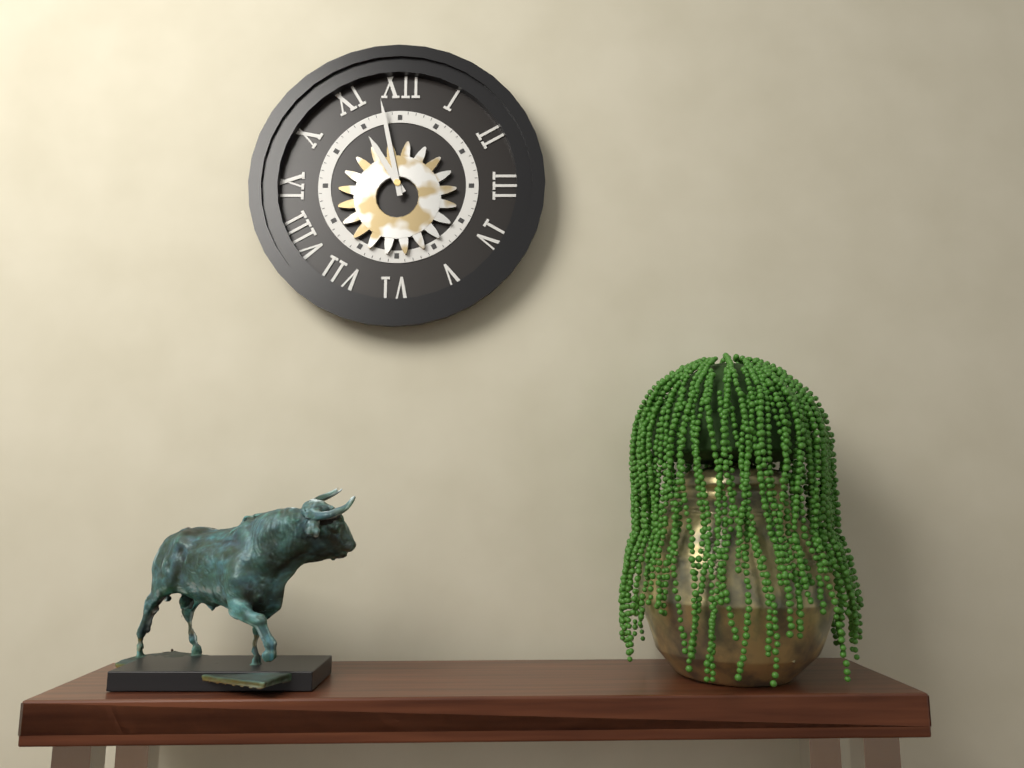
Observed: 10.58
